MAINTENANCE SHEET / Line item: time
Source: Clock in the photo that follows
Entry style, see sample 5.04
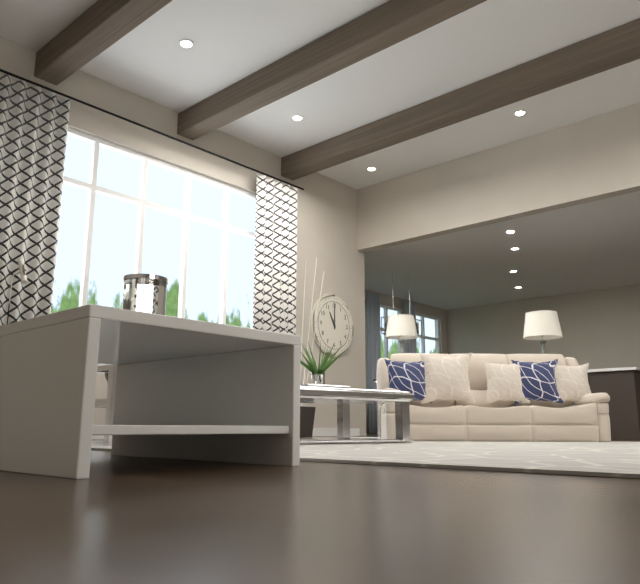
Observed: 11.00
